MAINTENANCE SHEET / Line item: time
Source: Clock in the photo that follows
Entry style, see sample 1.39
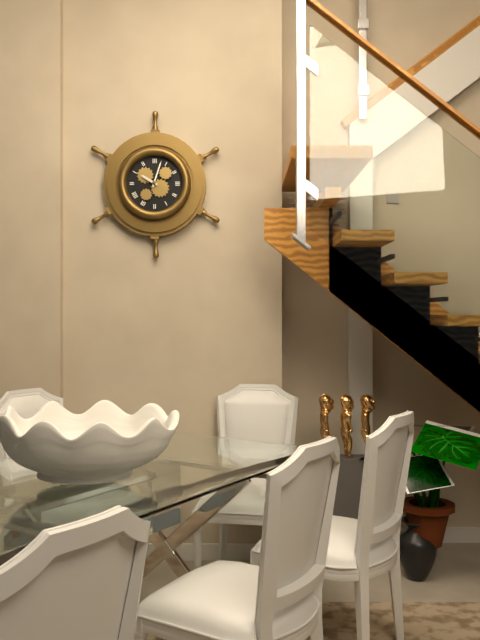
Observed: 10.03
